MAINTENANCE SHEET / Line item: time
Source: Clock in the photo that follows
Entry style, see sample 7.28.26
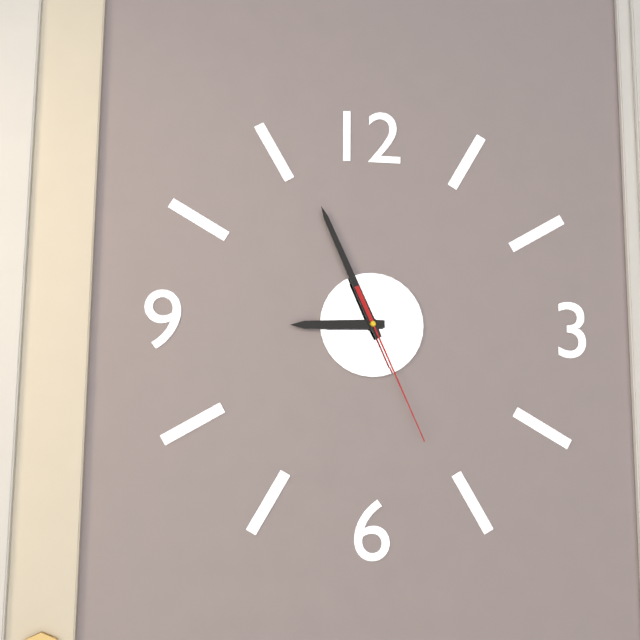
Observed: 8.56.26
